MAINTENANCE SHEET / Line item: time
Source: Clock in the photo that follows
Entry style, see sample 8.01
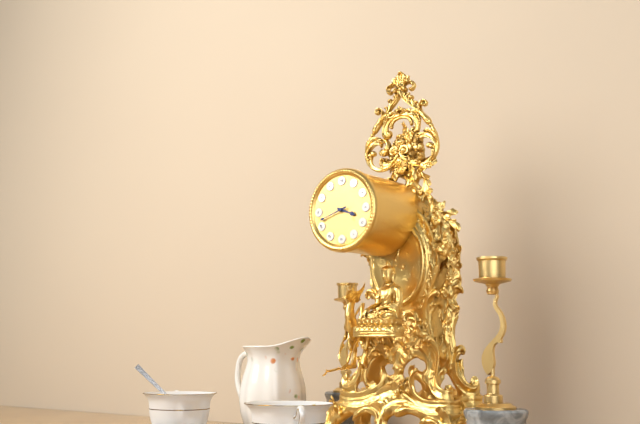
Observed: 3.42
